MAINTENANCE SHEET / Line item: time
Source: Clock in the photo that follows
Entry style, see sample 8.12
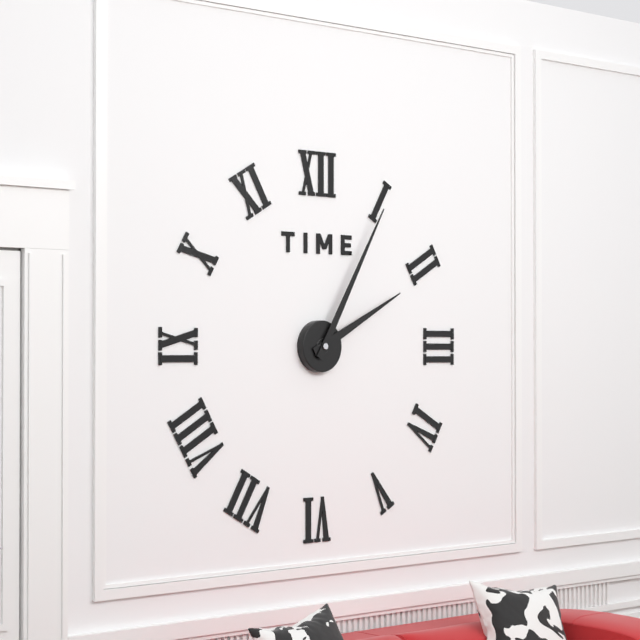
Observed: 2.05
